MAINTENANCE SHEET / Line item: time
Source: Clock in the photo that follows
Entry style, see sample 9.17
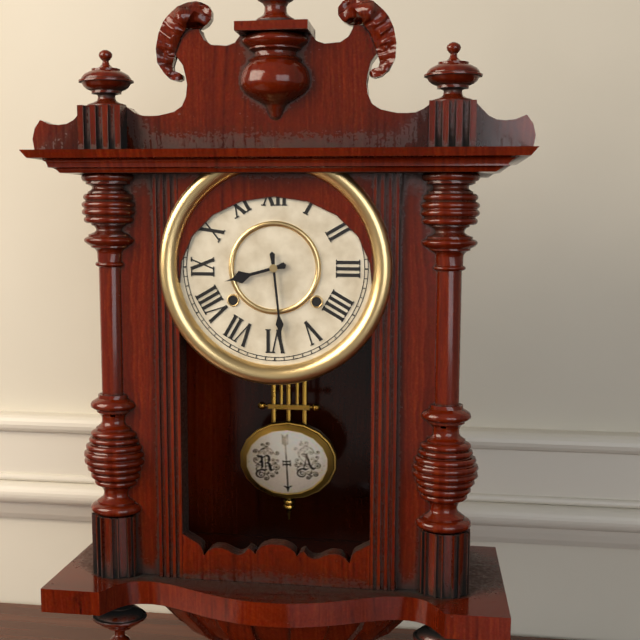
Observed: 8.29
